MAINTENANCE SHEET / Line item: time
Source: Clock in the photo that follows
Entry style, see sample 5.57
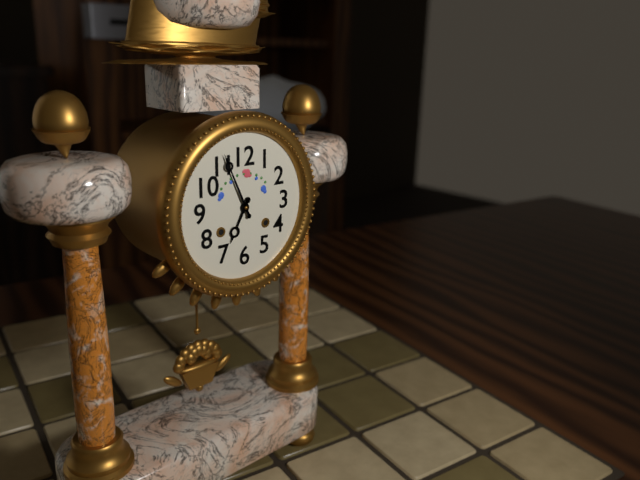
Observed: 6.56
